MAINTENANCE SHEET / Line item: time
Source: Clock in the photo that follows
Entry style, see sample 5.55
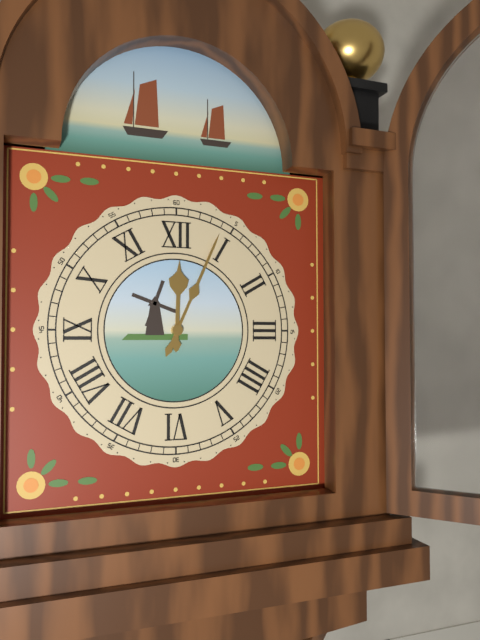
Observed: 12.04
